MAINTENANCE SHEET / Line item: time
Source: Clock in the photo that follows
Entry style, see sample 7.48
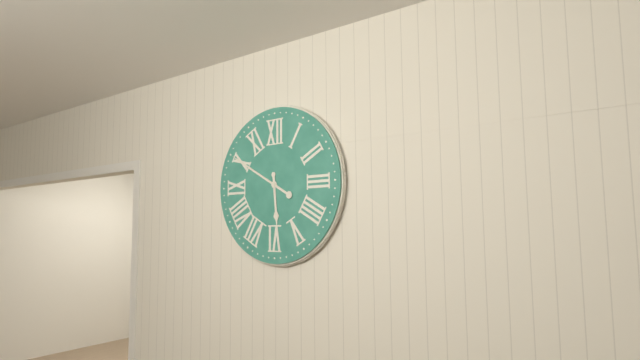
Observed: 5.50
